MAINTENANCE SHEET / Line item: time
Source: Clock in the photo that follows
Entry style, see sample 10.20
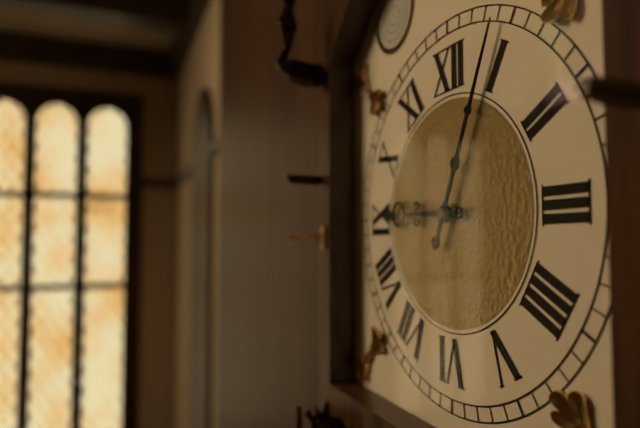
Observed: 9.04
